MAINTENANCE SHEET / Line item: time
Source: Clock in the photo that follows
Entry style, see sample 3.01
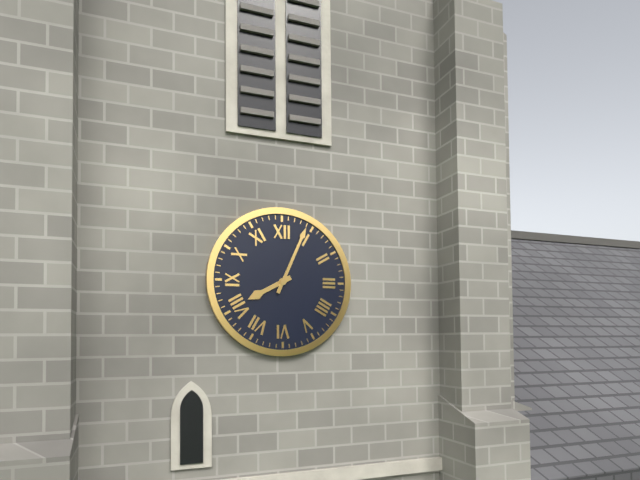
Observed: 8.04
